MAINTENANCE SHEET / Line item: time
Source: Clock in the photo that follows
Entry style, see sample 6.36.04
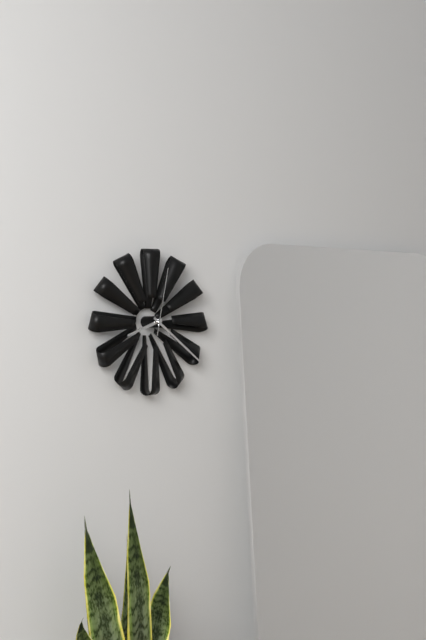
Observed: 8.21.02
